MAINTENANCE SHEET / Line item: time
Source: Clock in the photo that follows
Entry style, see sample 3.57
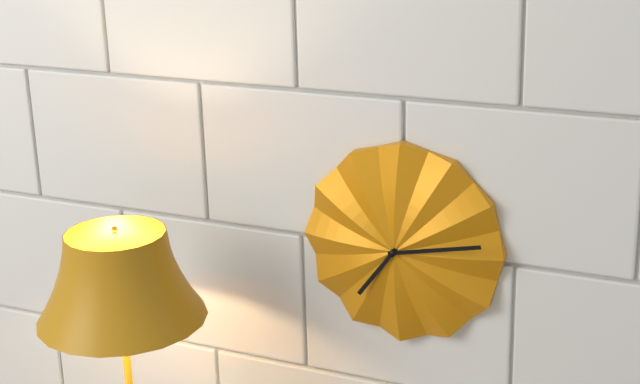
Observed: 7.13
